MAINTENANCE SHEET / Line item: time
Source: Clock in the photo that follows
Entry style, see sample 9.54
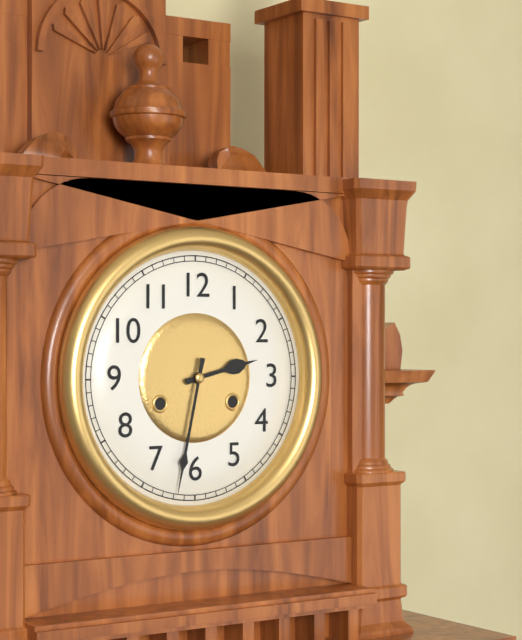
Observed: 2.32
